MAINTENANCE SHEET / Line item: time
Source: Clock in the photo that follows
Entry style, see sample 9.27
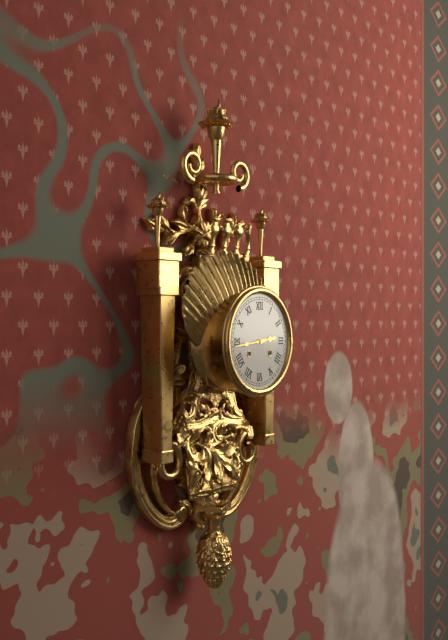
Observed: 2.44
